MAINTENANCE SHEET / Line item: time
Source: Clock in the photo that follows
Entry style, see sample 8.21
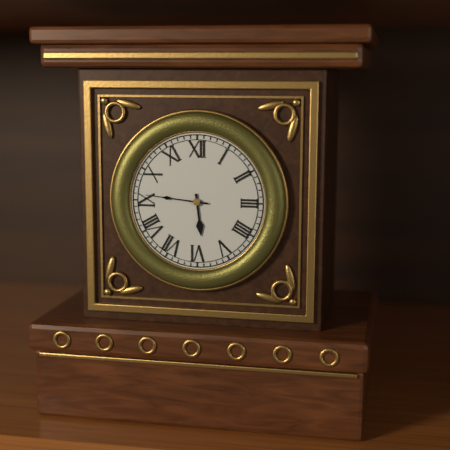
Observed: 5.46
